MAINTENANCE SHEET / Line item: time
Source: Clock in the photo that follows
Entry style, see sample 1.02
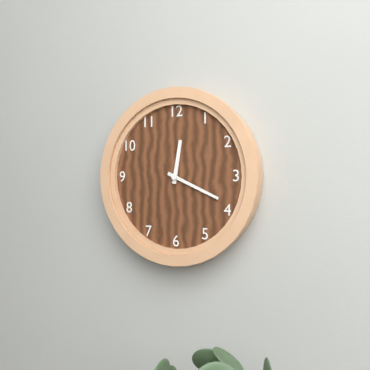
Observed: 12.19
